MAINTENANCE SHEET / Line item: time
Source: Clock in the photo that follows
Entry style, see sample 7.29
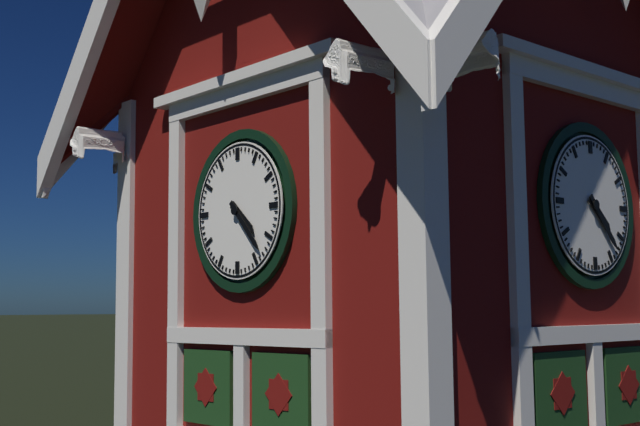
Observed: 4.23
